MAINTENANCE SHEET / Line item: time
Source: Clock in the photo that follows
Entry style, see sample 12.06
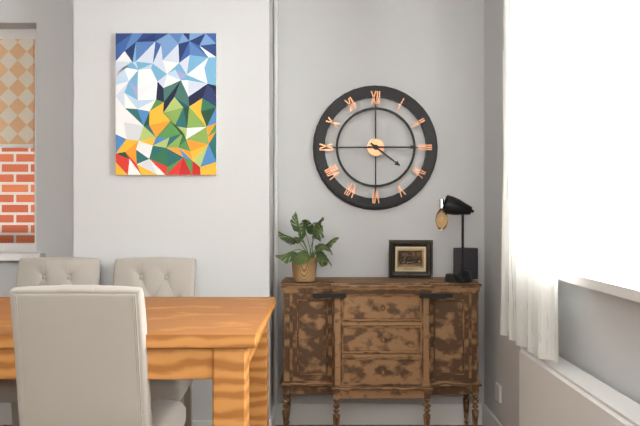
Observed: 4.15
